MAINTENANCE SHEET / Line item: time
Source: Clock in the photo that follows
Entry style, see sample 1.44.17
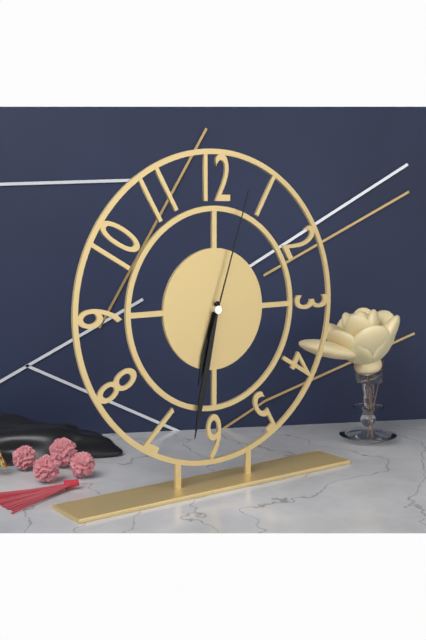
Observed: 6.32.03
